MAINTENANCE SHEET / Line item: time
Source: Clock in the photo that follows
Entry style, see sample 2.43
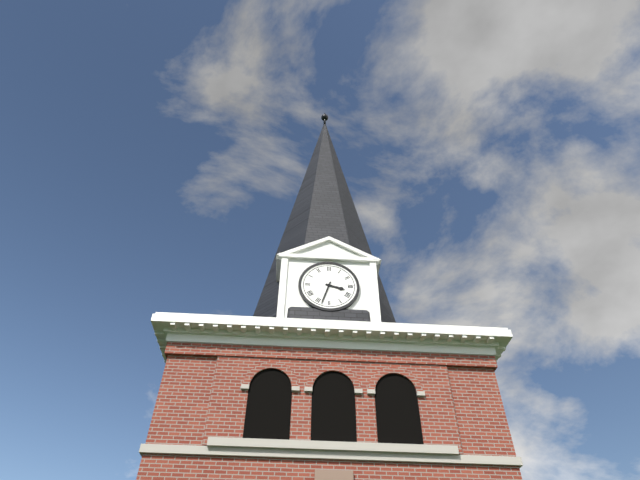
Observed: 3.33
